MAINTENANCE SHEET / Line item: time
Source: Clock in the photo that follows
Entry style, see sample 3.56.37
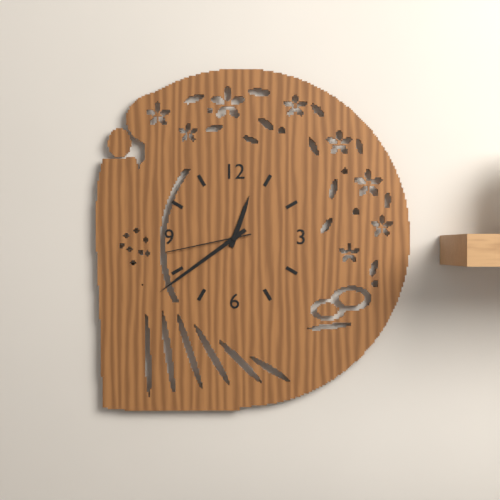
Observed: 12.39.43
